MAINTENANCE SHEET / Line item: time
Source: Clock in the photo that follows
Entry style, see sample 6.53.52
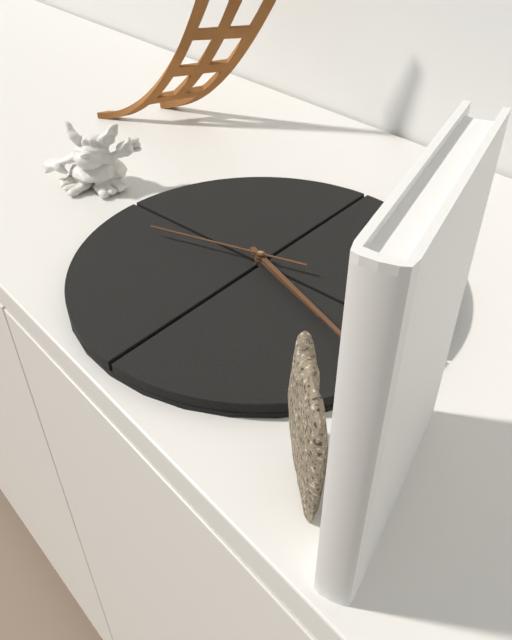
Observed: 4.22.46
